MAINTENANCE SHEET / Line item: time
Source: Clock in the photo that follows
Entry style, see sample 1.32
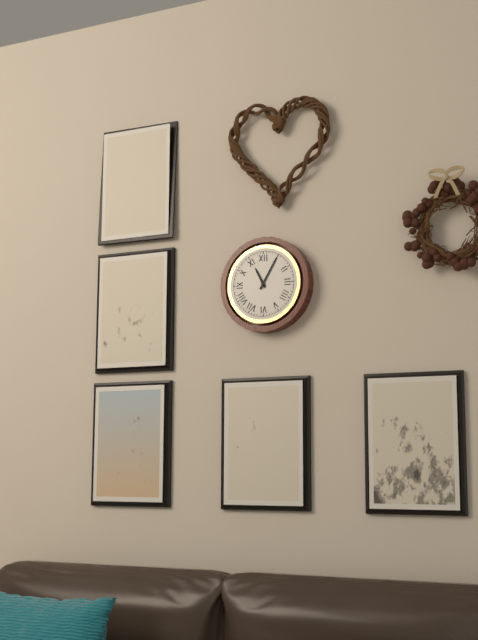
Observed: 11.05
